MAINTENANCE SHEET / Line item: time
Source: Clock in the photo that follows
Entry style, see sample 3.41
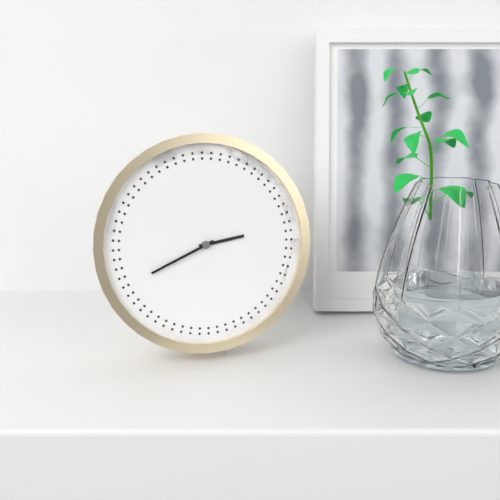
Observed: 2.41
